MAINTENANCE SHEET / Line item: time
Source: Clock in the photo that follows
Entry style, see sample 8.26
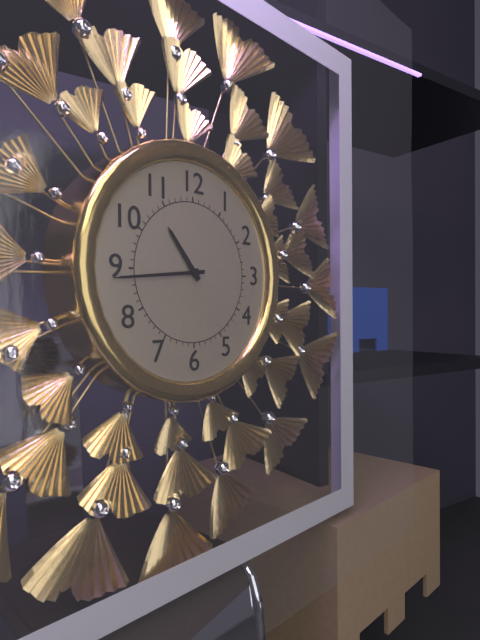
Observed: 10.44
